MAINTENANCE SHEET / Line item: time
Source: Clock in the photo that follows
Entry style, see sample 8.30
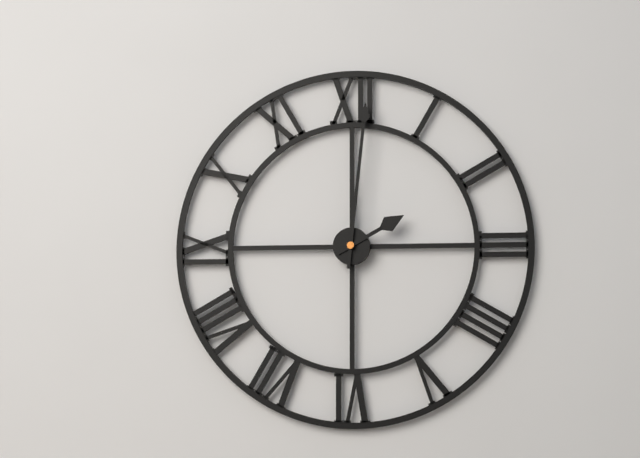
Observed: 2.01
